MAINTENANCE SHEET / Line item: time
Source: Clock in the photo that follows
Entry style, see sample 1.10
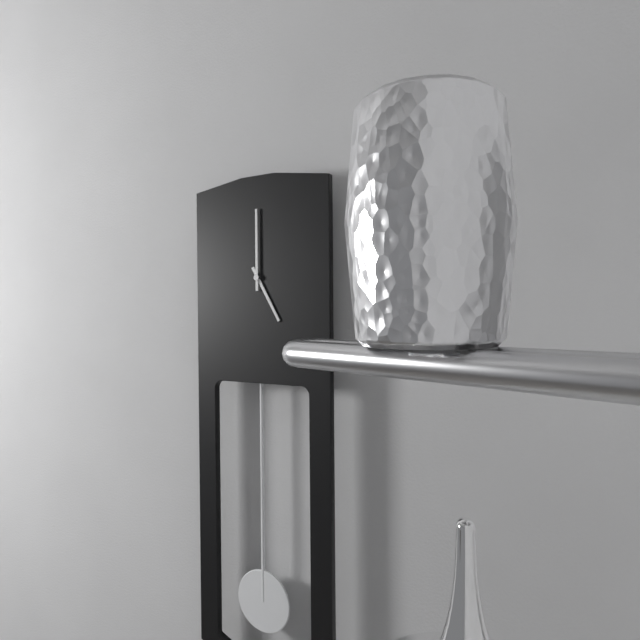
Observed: 5.00
